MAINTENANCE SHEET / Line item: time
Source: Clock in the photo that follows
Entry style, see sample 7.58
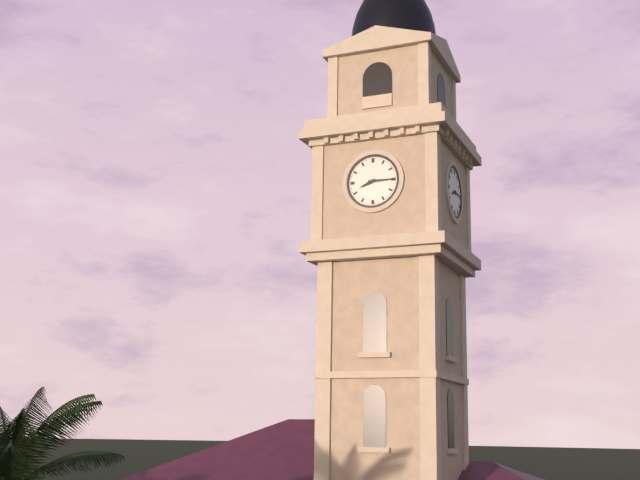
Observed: 8.15
